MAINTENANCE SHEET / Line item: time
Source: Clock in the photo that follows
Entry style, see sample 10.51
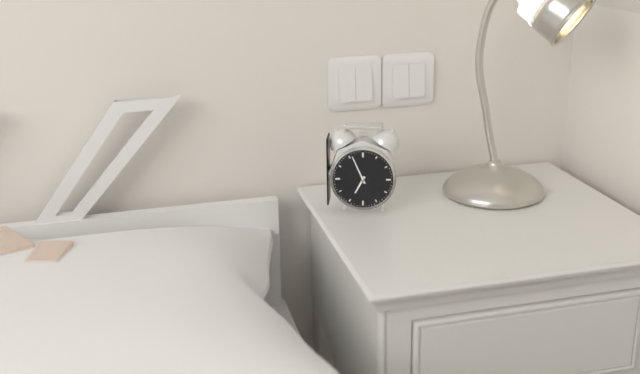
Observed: 6.56
